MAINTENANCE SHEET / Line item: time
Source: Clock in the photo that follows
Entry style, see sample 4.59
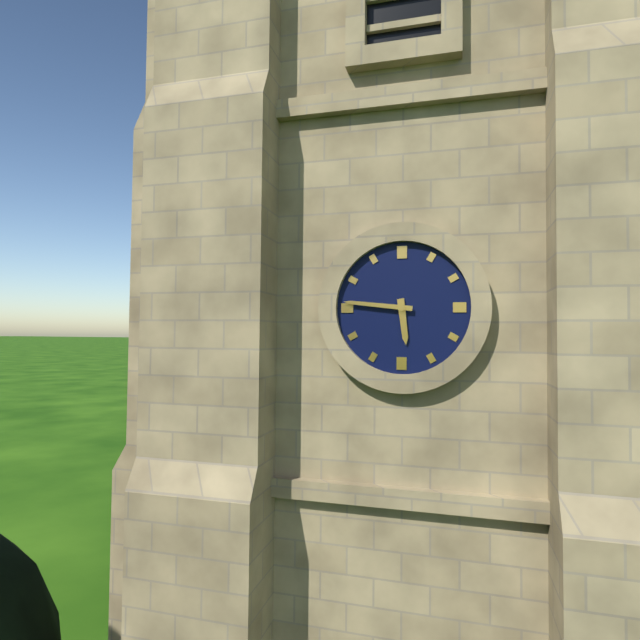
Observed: 5.46
